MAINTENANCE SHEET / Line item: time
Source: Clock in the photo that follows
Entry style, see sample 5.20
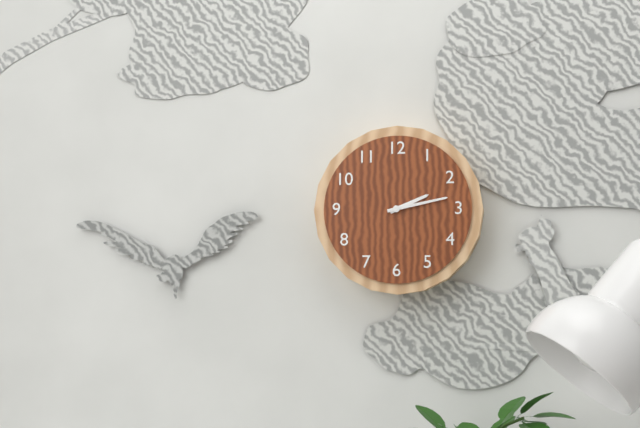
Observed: 2.13
